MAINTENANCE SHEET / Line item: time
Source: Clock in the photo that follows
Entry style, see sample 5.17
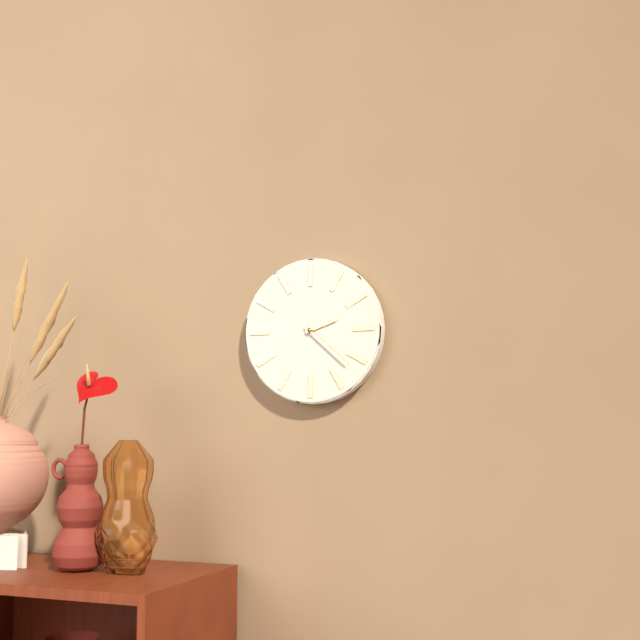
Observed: 2.22
